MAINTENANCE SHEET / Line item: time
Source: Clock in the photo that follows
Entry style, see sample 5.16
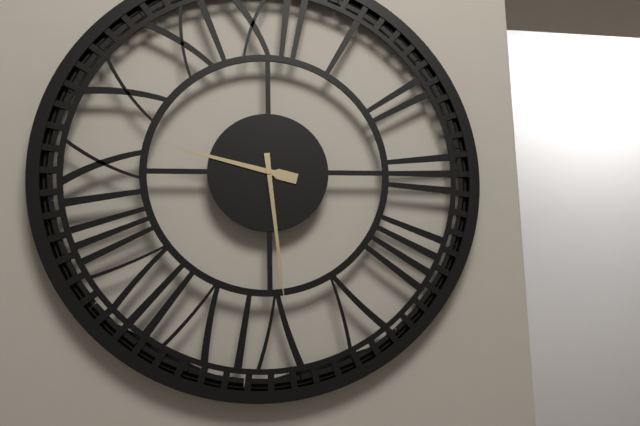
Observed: 9.29
